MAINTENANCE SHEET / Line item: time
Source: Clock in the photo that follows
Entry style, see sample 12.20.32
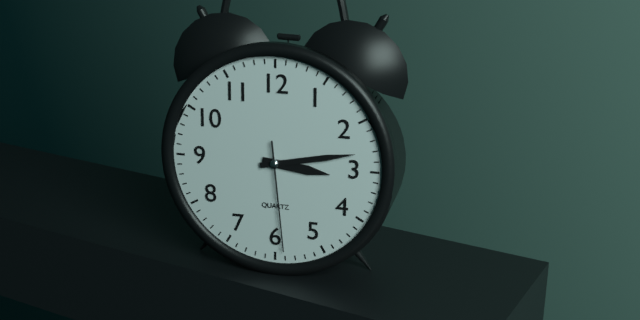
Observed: 3.13.29
